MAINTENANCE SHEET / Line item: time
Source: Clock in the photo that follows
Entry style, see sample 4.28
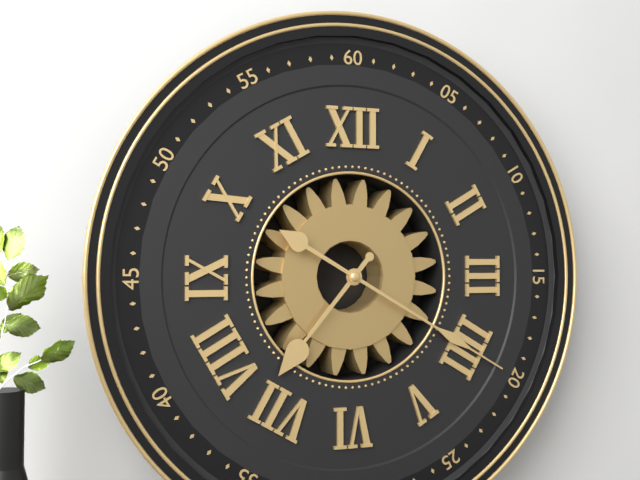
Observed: 7.20
